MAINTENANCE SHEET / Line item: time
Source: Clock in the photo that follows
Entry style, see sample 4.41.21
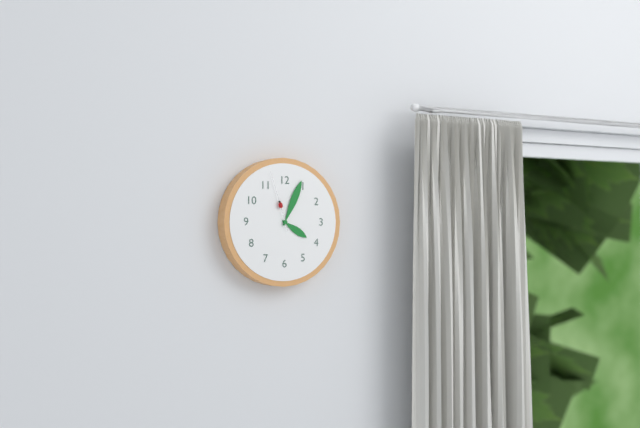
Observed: 4.04.57
